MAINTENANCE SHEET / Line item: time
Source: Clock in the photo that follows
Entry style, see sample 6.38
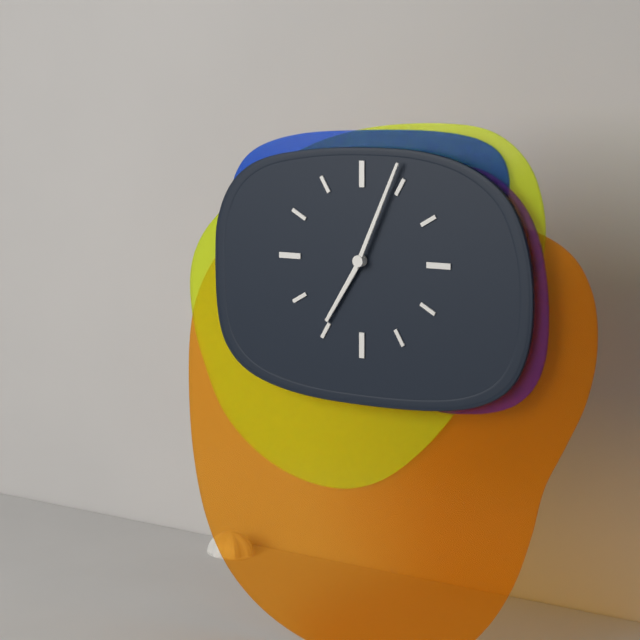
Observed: 7.04
